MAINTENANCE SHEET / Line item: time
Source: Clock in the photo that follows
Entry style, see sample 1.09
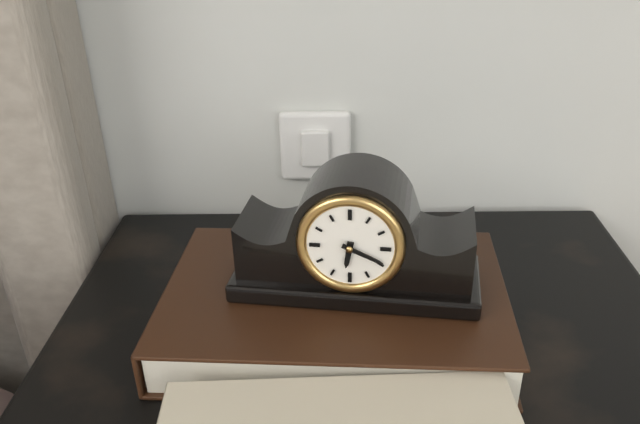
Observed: 6.19
